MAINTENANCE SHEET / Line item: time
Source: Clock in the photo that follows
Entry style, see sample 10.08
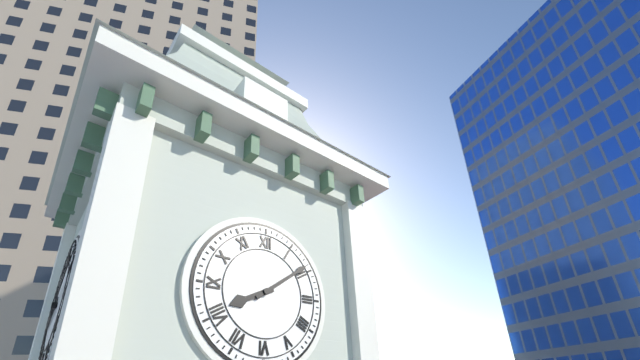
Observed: 8.09
